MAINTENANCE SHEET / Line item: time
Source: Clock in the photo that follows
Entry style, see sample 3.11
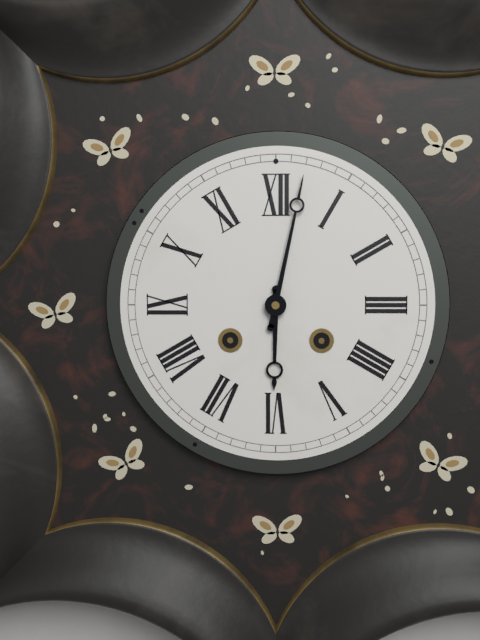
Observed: 6.02
